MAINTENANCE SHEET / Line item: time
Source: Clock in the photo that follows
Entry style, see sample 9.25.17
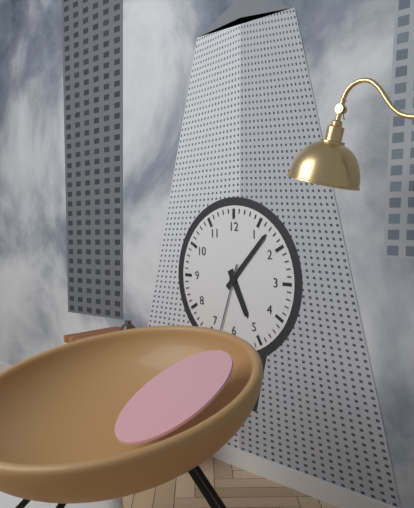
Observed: 5.07.33
